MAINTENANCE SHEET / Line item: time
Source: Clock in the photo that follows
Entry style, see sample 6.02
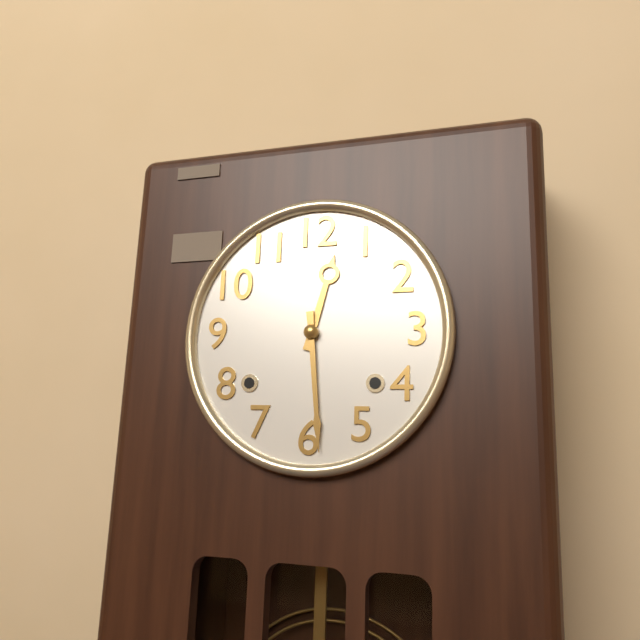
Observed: 12.29
